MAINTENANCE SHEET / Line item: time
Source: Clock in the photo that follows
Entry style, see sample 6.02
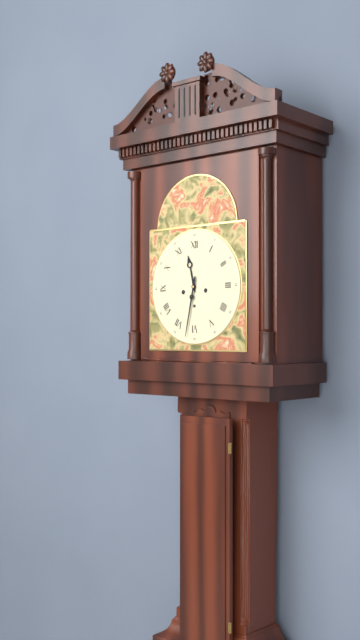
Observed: 11.32
